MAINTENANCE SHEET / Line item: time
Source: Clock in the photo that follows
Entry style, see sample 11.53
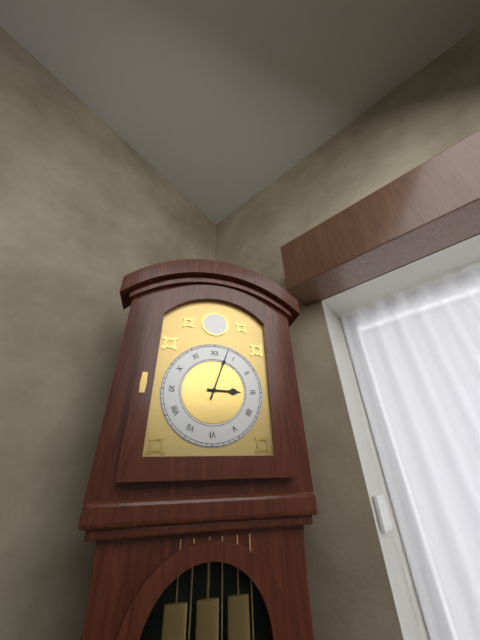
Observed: 3.03
